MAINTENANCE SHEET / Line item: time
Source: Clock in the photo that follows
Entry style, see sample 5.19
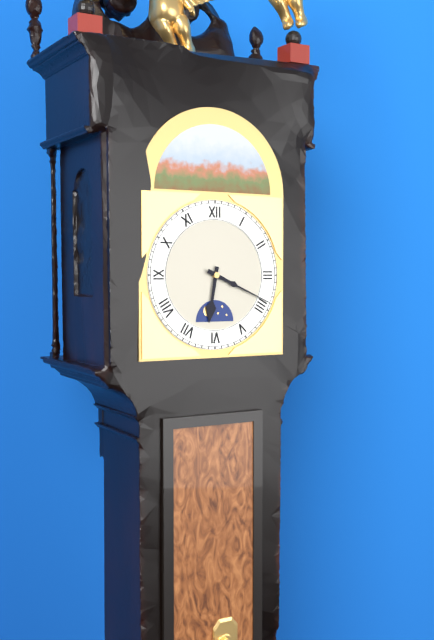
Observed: 6.19
